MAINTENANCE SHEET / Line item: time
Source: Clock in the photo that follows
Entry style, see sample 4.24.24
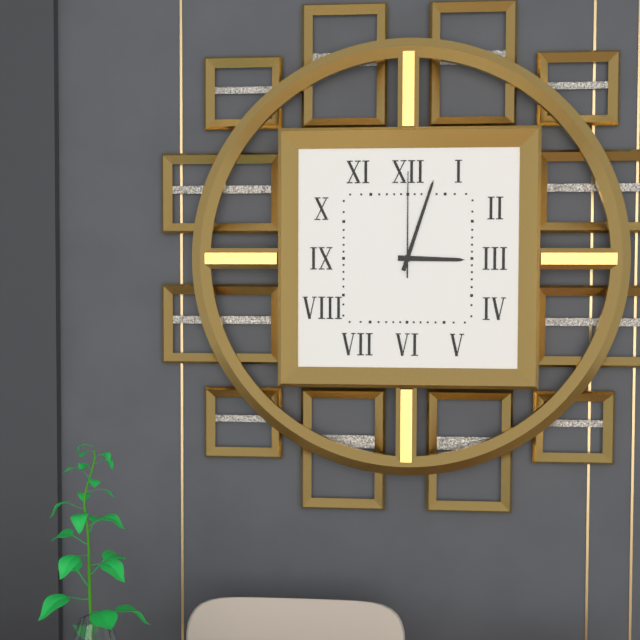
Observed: 3.03.00
